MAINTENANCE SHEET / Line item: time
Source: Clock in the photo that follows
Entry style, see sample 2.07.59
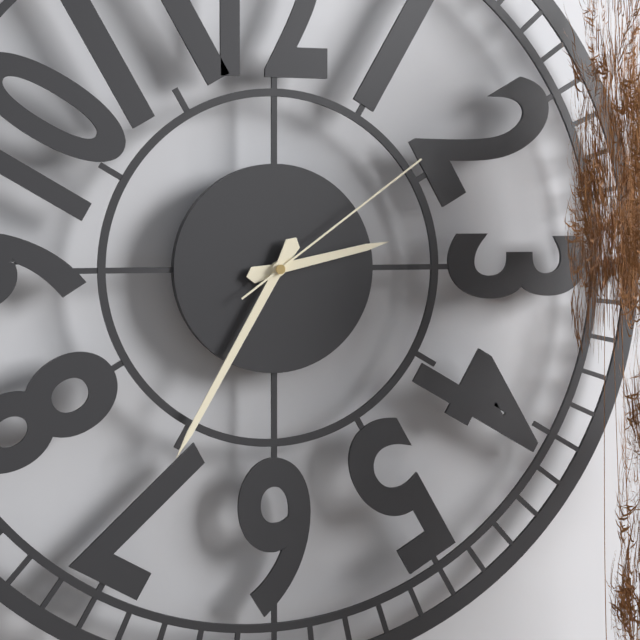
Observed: 2.35.09
